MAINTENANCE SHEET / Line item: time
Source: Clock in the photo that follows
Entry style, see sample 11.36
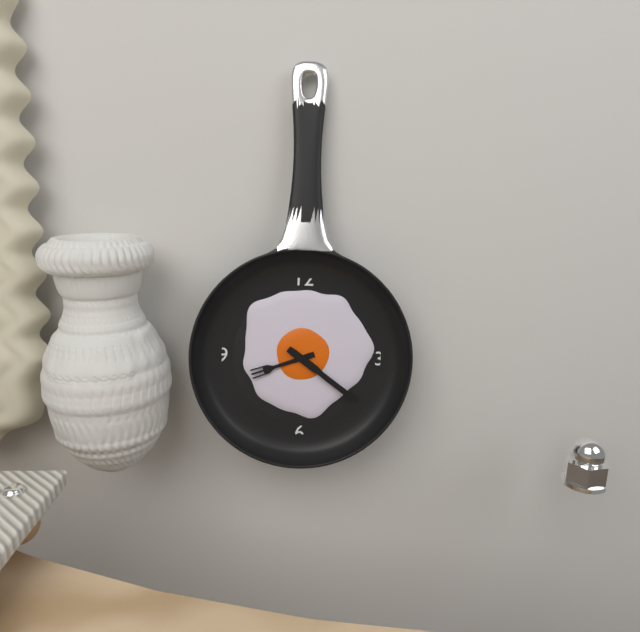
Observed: 8.21
